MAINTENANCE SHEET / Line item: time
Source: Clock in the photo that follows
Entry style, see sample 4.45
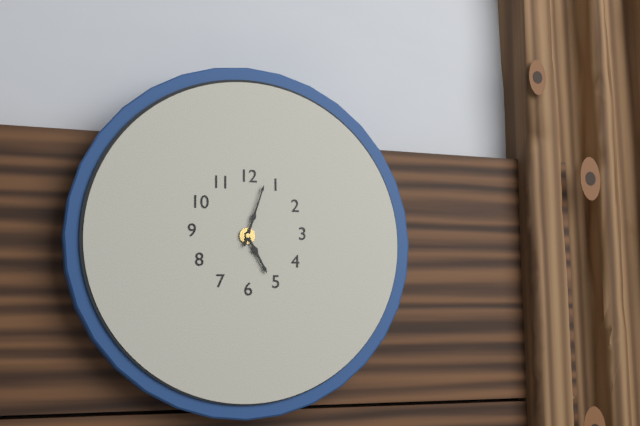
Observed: 5.03
